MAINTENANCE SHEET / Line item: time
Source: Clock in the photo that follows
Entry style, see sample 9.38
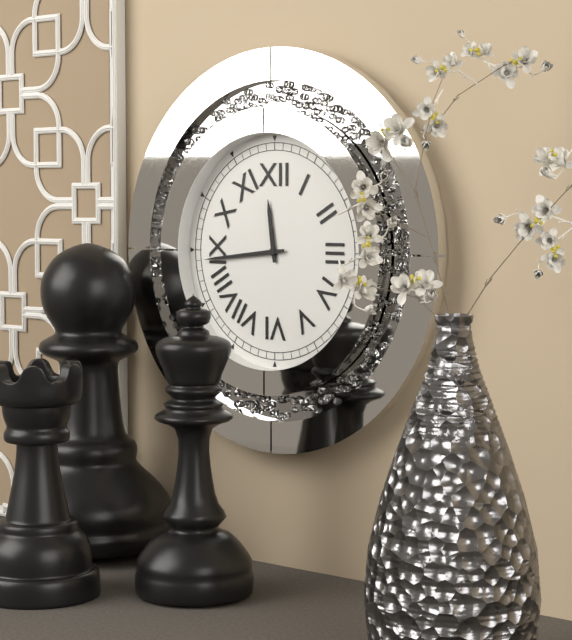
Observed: 11.44
